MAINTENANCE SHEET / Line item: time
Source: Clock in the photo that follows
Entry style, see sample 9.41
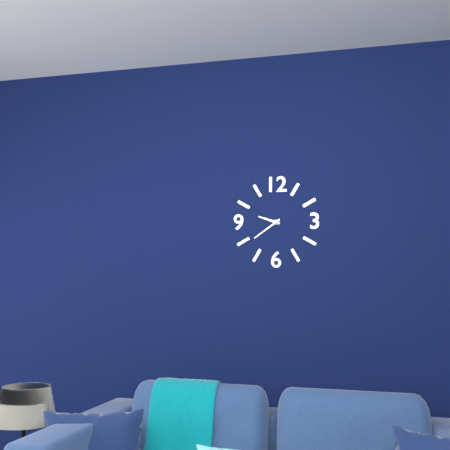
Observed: 9.39
